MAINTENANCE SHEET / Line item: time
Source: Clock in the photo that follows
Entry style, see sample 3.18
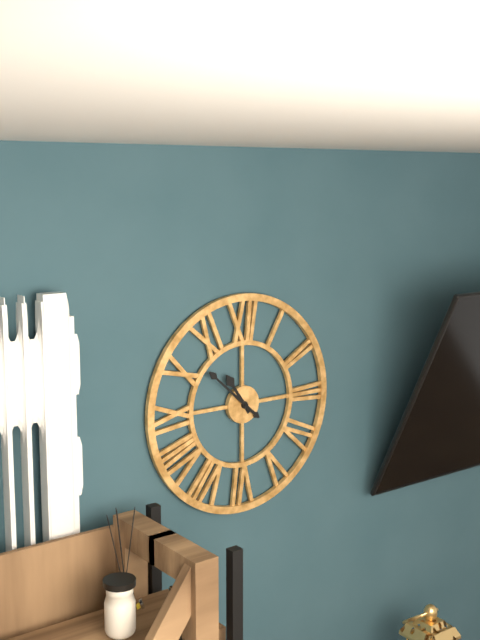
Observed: 10.52
